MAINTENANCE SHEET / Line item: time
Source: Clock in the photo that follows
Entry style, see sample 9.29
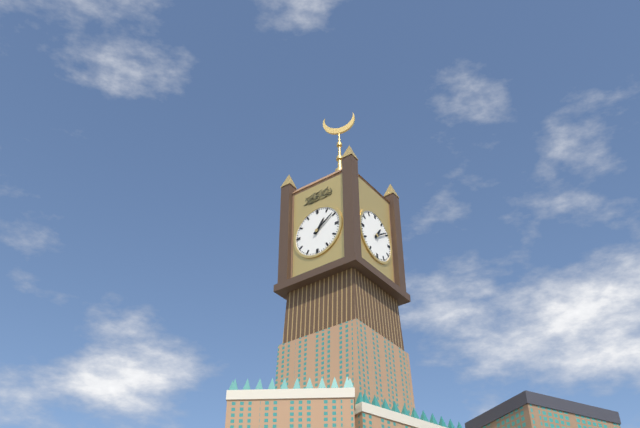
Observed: 1.09
